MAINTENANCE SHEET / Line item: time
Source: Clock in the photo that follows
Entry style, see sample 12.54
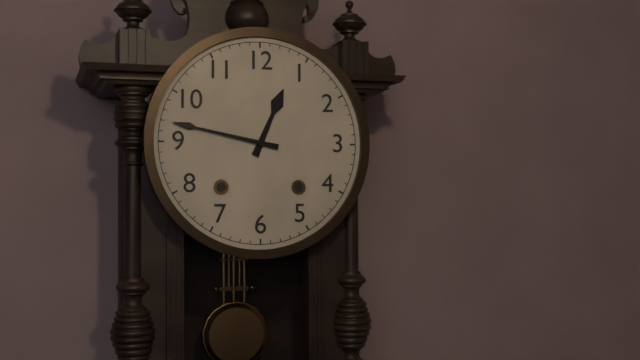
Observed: 12.47
